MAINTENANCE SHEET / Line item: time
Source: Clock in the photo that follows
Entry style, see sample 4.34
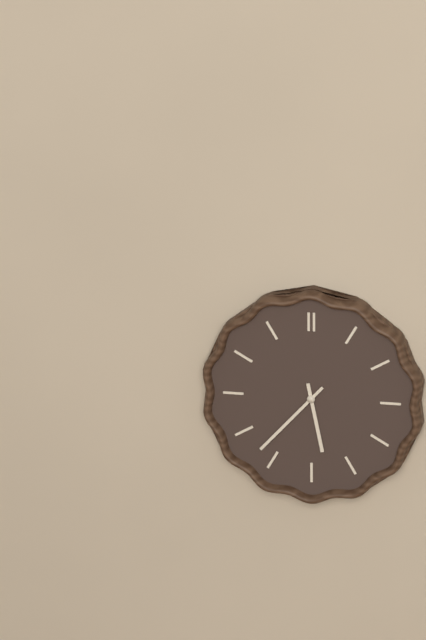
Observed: 5.37
